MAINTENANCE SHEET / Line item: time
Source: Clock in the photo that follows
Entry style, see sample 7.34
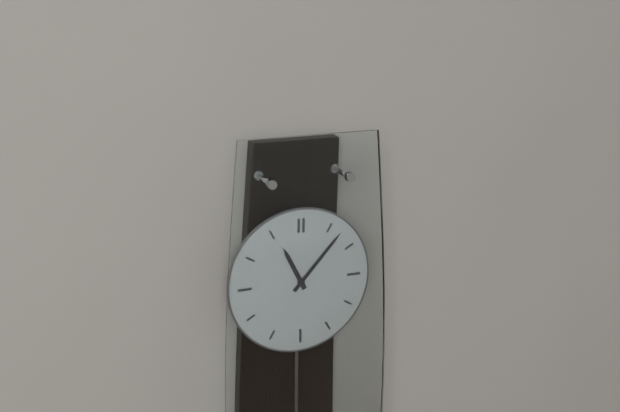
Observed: 11.07
